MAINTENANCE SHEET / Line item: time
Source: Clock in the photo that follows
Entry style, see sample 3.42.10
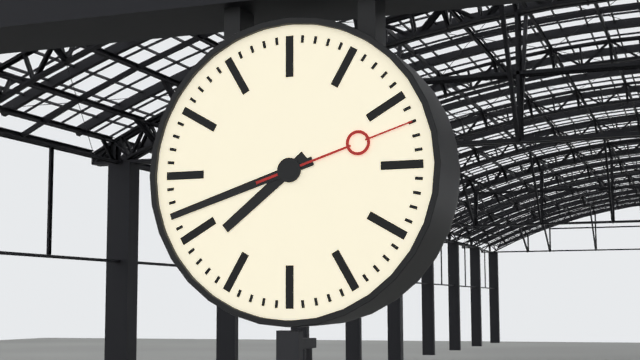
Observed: 7.42.12
